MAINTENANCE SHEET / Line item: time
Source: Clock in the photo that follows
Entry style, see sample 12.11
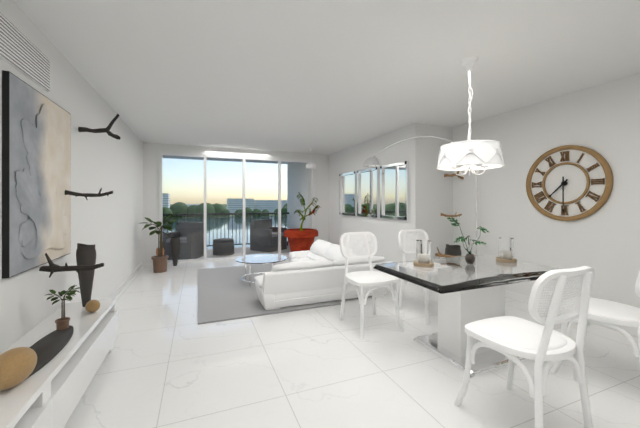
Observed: 7.30
